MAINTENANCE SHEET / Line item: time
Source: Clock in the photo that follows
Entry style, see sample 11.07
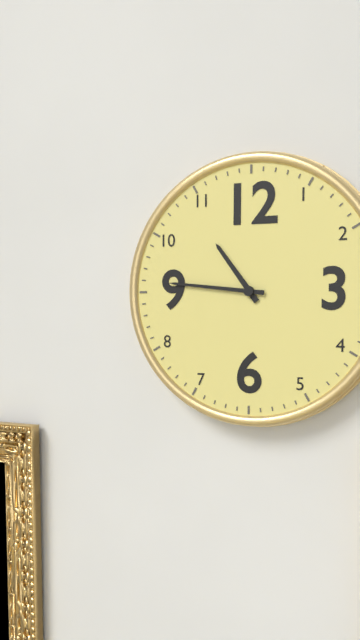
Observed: 10.46
